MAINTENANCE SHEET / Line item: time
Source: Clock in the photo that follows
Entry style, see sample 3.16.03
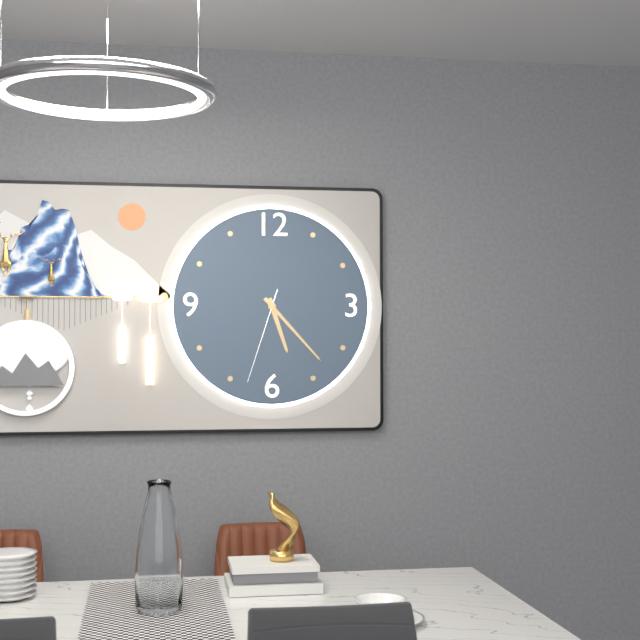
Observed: 5.23.33
